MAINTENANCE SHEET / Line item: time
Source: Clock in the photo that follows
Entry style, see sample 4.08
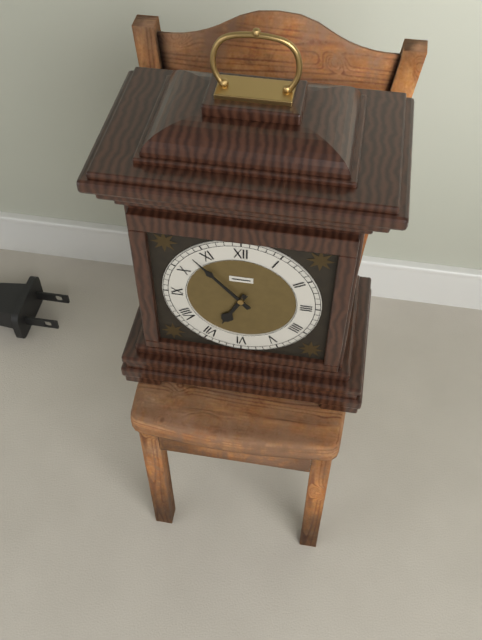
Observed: 6.53
